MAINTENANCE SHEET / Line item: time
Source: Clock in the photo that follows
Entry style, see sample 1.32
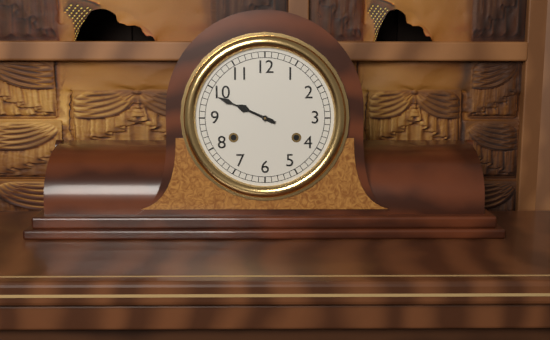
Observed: 9.49
